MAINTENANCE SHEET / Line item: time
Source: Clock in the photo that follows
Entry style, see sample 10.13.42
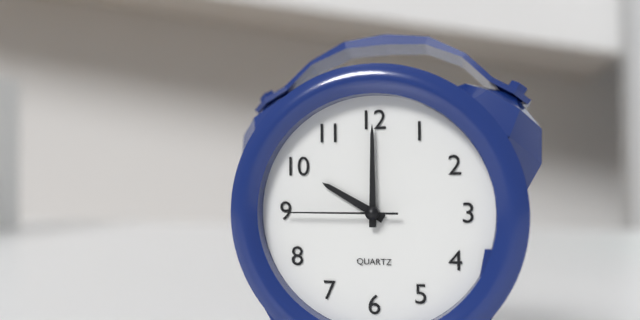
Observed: 10.00.45
